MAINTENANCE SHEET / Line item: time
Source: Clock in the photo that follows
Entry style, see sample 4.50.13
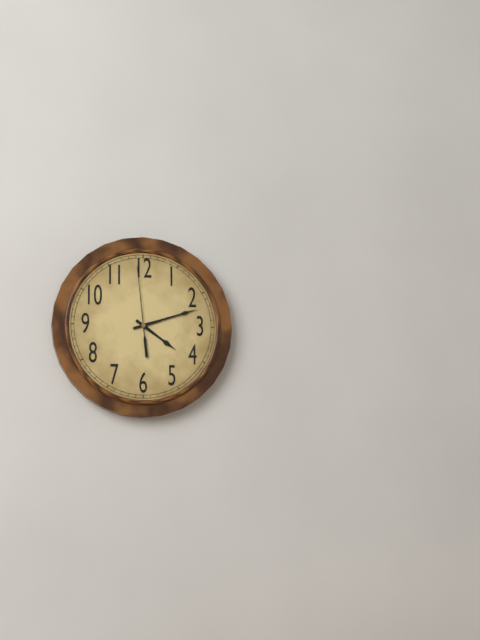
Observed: 4.12.59
